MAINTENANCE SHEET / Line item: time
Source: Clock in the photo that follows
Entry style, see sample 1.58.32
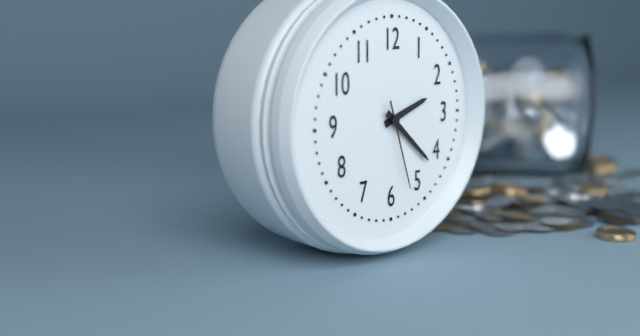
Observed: 2.22.27
